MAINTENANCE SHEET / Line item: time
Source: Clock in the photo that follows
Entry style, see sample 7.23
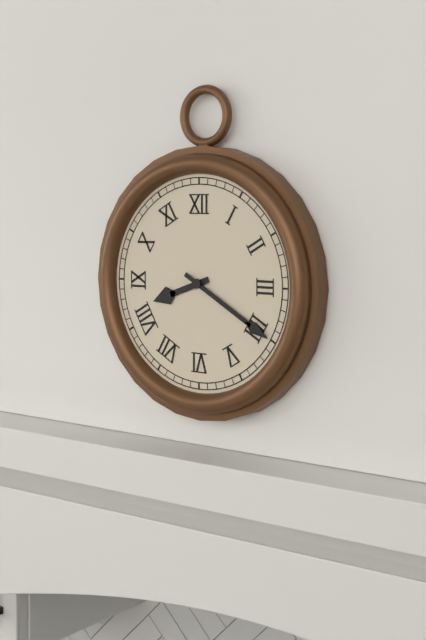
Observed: 8.20
